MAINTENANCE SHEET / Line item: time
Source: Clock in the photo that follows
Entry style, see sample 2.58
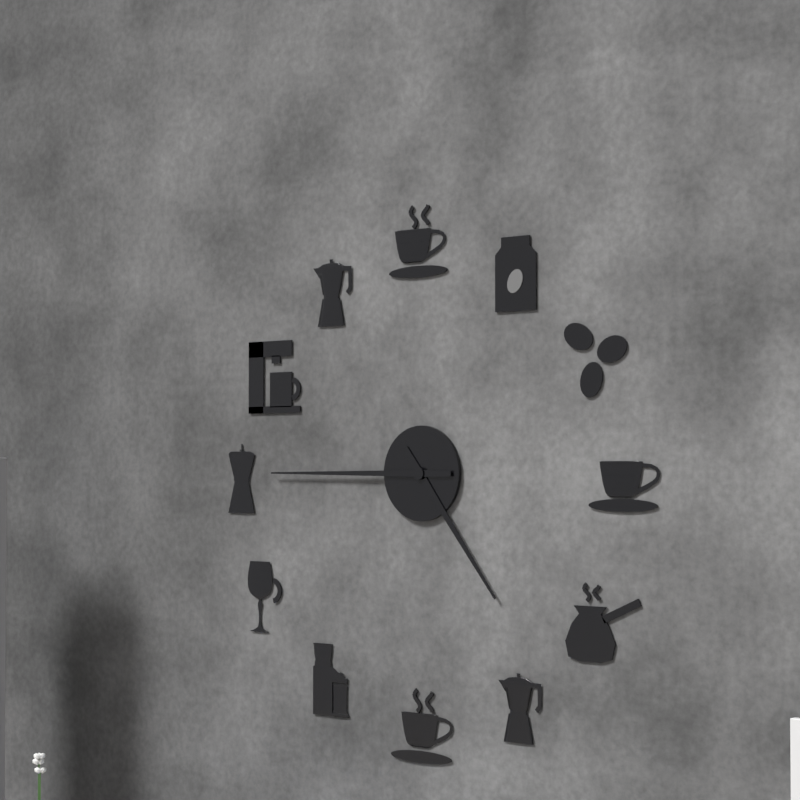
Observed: 4.45
